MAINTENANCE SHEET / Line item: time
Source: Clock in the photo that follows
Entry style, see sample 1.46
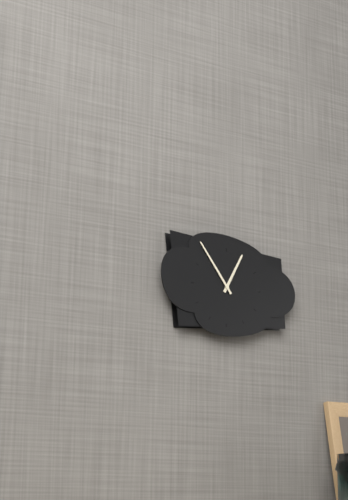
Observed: 12.54
